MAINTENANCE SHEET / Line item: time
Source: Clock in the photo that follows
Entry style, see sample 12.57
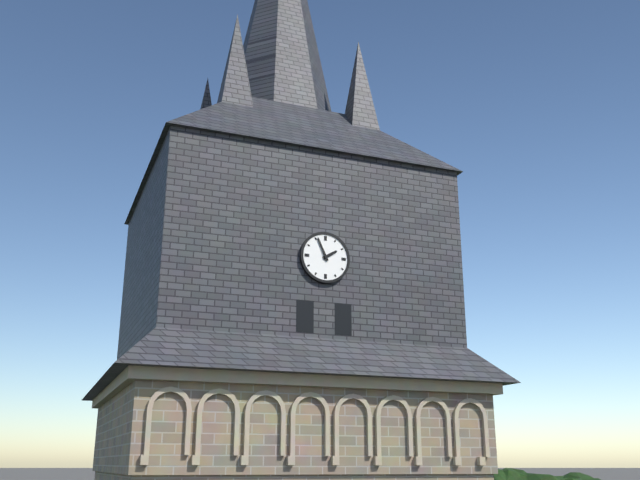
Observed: 1.56
